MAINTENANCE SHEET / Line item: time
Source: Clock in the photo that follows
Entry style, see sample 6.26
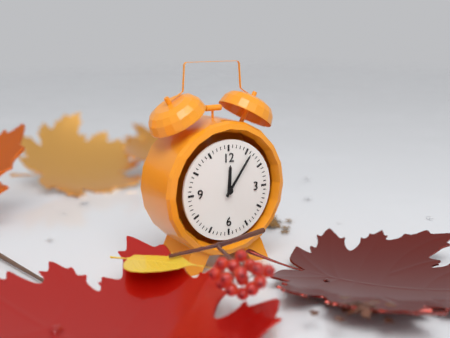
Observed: 12.06
